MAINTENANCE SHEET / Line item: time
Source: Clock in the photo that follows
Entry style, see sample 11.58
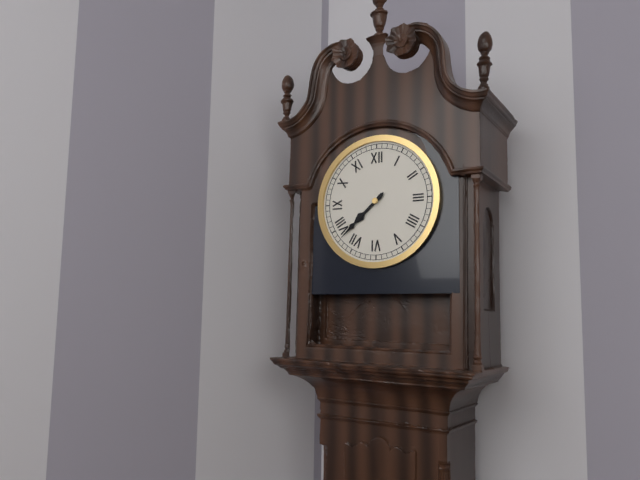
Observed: 7.38
